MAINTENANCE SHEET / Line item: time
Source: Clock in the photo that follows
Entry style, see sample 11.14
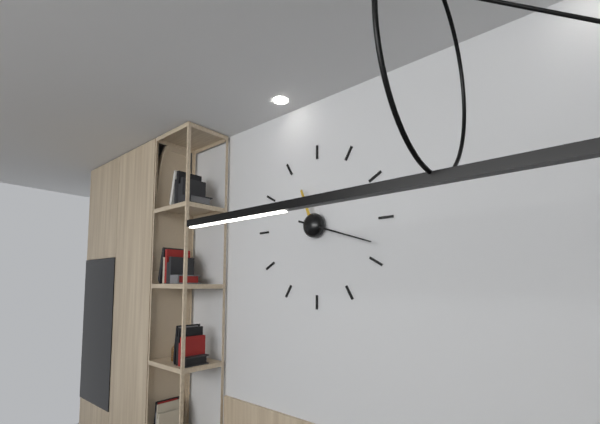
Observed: 11.18
